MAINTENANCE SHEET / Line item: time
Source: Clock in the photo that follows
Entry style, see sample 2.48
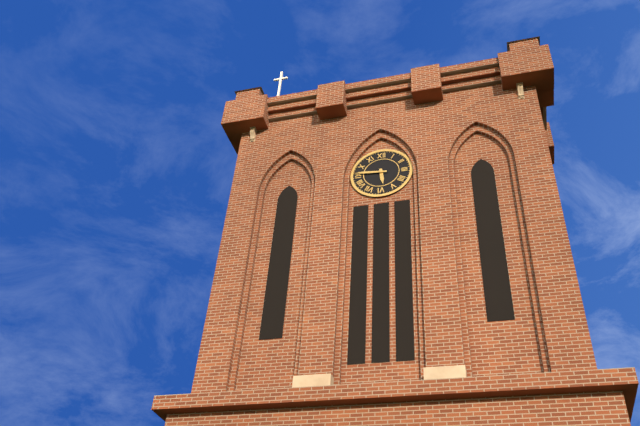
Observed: 5.46
